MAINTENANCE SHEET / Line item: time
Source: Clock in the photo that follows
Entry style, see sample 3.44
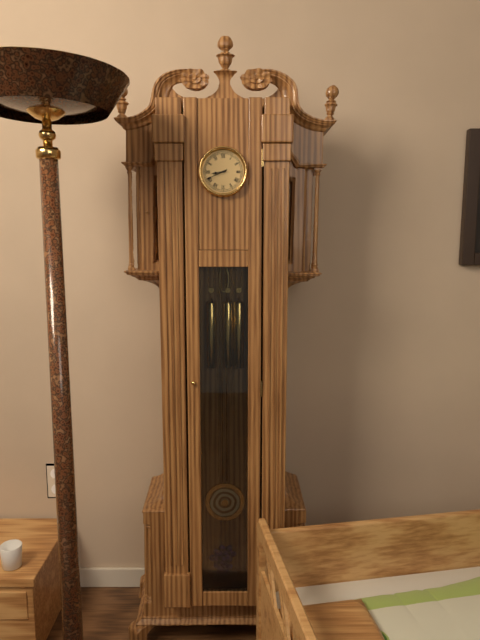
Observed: 8.41
